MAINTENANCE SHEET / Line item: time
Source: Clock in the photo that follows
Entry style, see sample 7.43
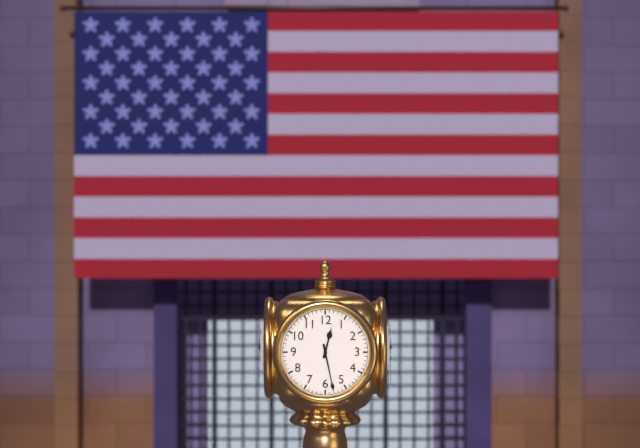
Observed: 12.28
